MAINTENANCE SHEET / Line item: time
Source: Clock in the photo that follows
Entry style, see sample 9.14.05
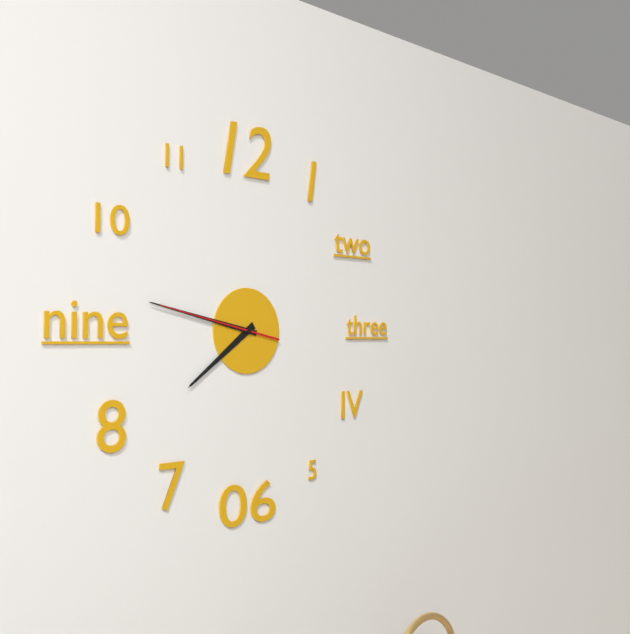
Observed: 7.47.47
